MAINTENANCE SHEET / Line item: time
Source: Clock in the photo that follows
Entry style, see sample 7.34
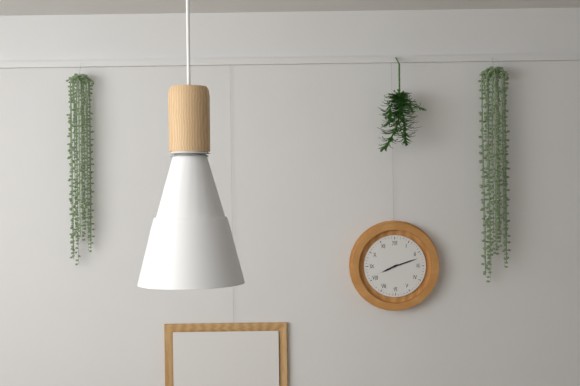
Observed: 8.12
